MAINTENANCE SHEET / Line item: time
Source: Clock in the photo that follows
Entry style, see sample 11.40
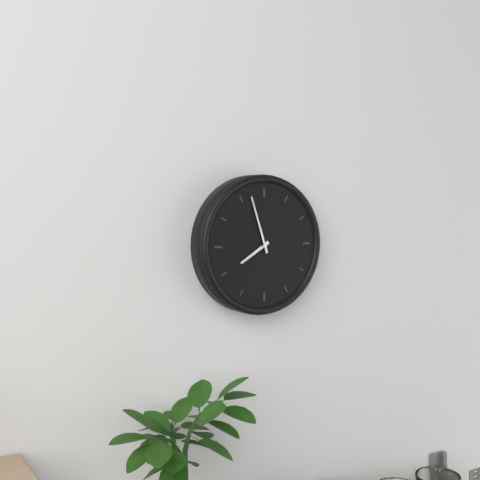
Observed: 7.57
